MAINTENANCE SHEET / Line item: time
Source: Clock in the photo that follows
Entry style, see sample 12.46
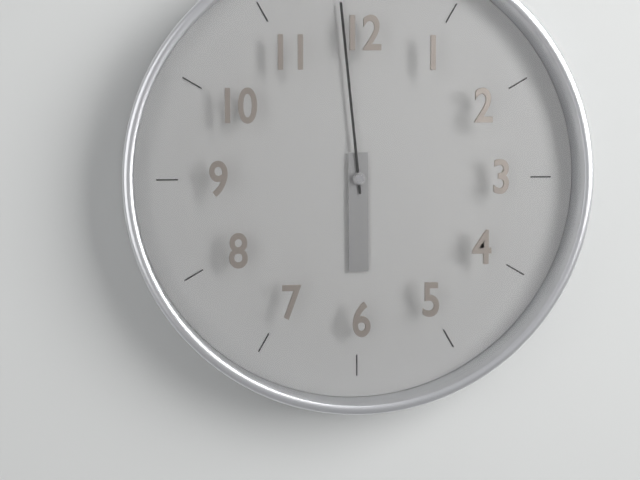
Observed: 5.59
